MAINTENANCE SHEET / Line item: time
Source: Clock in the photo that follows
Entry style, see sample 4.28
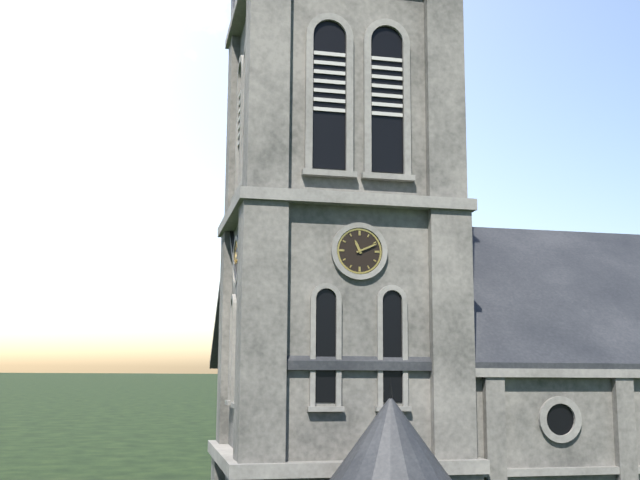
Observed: 11.11
